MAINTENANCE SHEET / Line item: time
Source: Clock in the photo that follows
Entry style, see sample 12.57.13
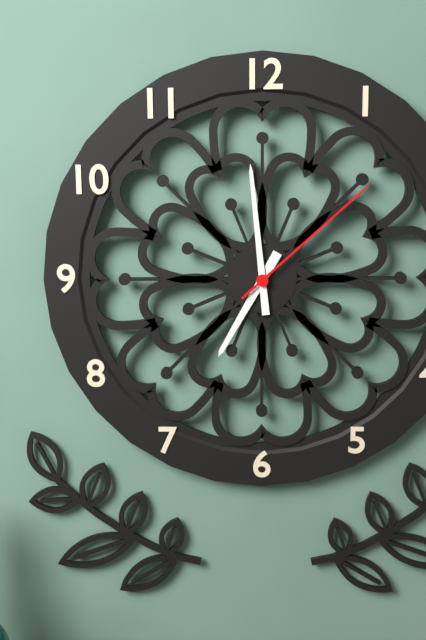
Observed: 6.59.08
